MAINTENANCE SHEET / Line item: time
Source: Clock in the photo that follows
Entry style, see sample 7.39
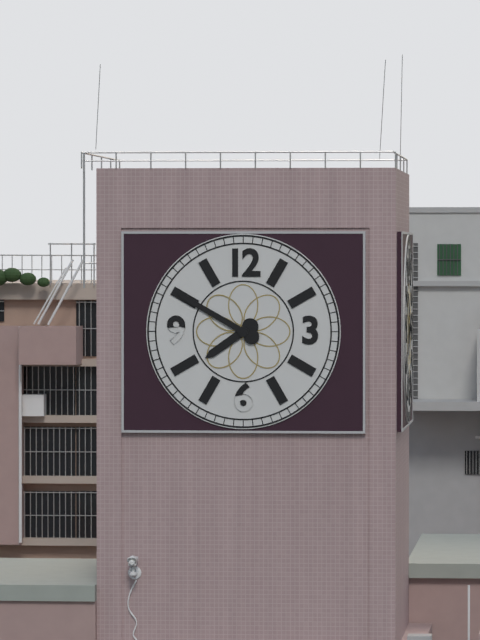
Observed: 7.50
